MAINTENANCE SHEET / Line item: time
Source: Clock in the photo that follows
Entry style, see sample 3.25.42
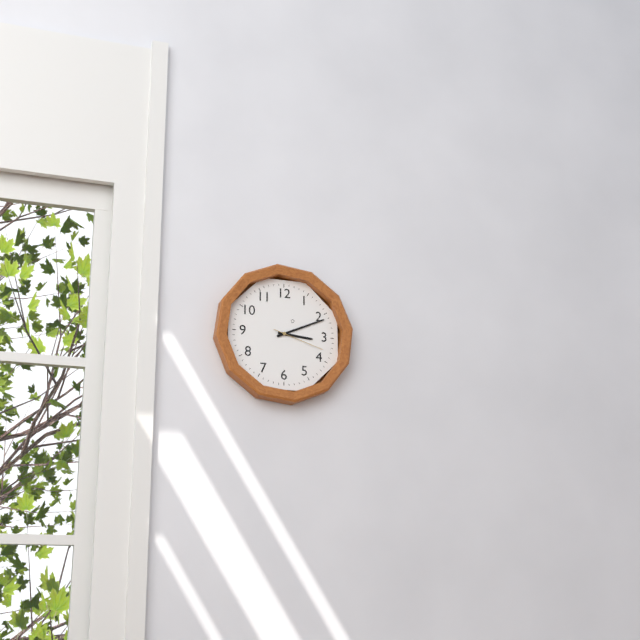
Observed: 3.11.18
